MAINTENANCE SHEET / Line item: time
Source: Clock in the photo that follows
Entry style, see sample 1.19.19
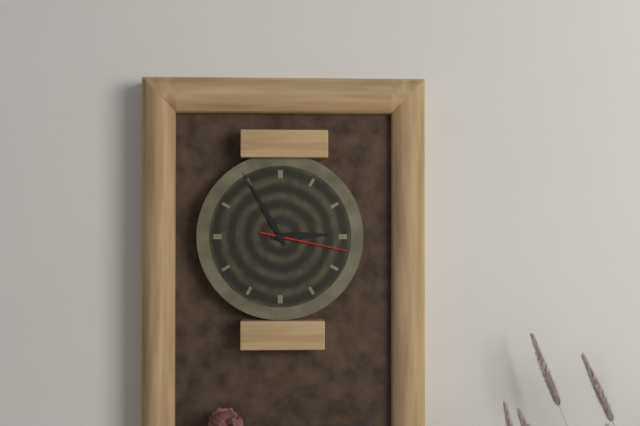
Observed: 2.55.17
